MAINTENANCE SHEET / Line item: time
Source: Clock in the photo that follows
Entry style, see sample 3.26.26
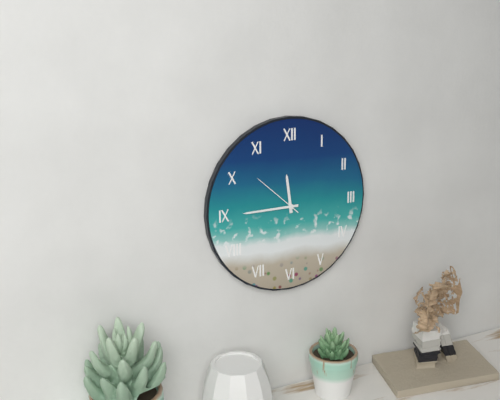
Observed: 11.45.52
